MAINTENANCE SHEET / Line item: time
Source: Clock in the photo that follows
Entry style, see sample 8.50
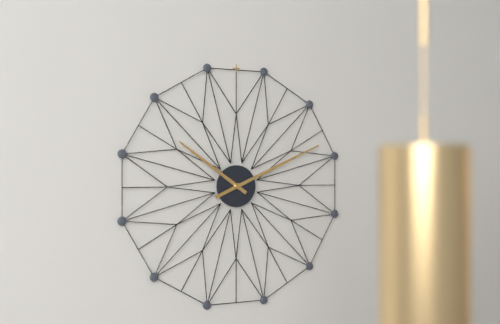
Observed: 10.11
